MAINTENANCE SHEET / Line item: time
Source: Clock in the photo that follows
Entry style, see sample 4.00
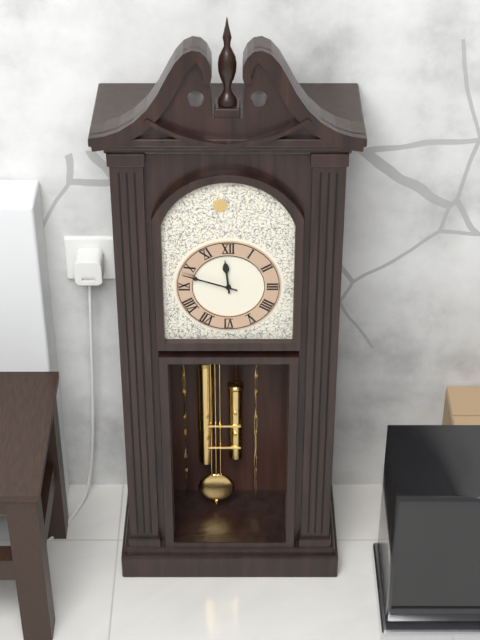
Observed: 11.48
